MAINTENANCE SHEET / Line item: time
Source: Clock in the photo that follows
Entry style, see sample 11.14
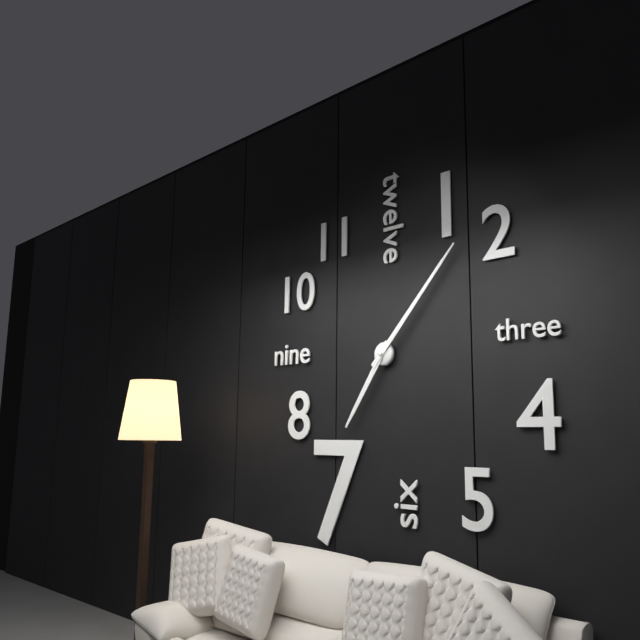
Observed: 7.07
